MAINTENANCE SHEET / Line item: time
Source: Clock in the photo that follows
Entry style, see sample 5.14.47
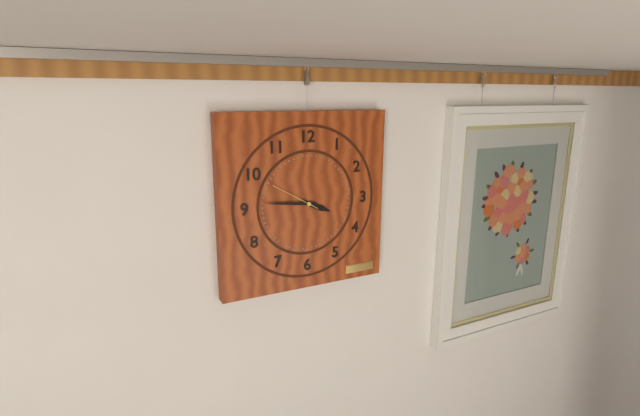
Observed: 3.46.50
